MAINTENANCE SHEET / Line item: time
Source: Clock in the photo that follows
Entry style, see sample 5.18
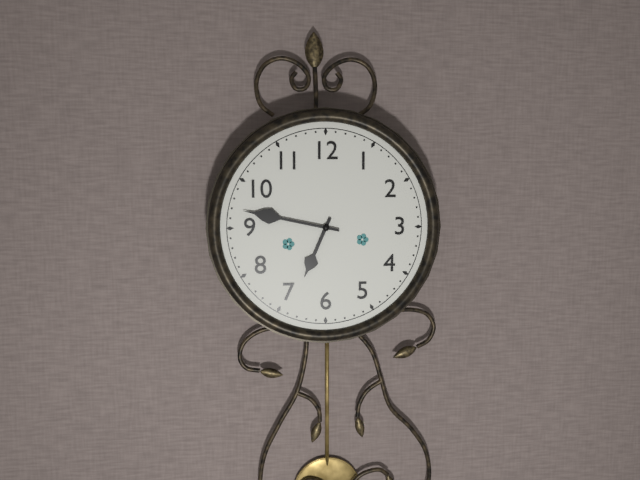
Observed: 6.47
